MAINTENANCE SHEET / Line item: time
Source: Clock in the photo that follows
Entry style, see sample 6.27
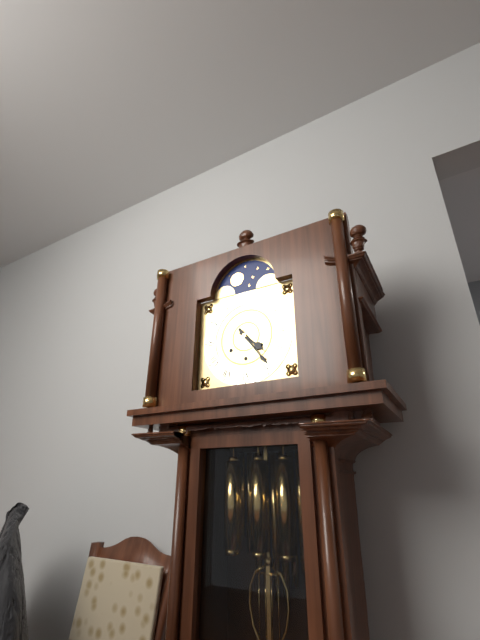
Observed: 4.24
